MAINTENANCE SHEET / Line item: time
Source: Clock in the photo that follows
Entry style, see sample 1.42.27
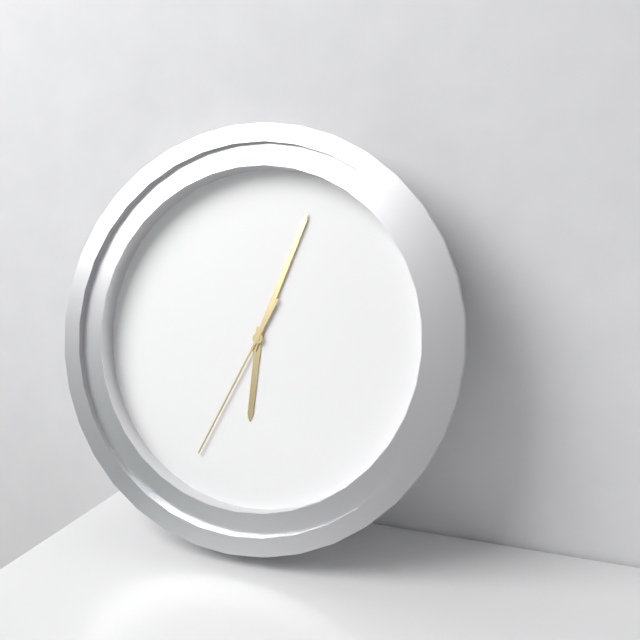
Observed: 6.03.34
